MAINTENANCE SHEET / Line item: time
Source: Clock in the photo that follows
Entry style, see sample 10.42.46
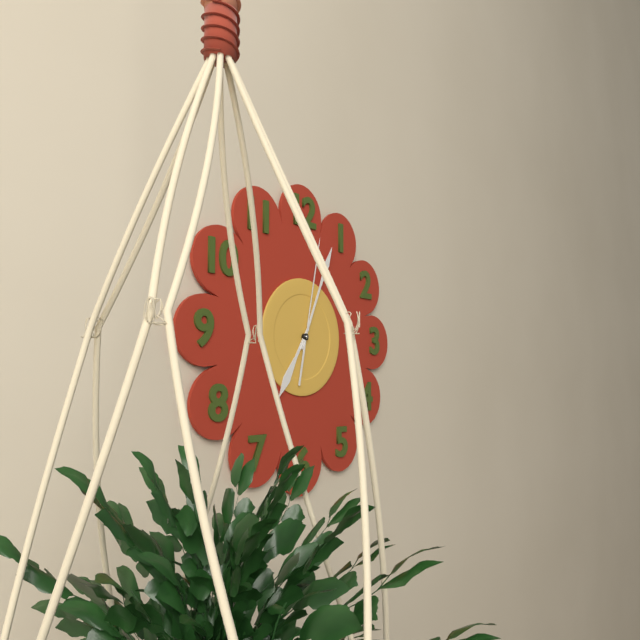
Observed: 7.04.02
